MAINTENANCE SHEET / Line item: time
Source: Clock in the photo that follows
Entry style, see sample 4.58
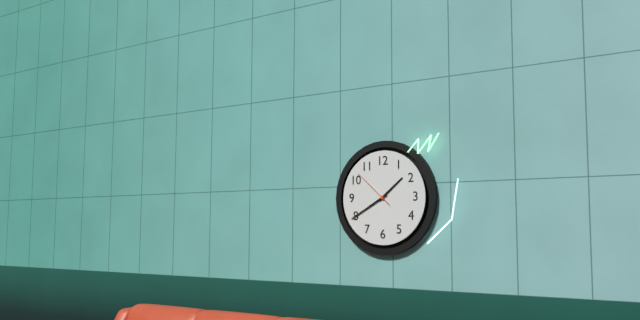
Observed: 1.40
